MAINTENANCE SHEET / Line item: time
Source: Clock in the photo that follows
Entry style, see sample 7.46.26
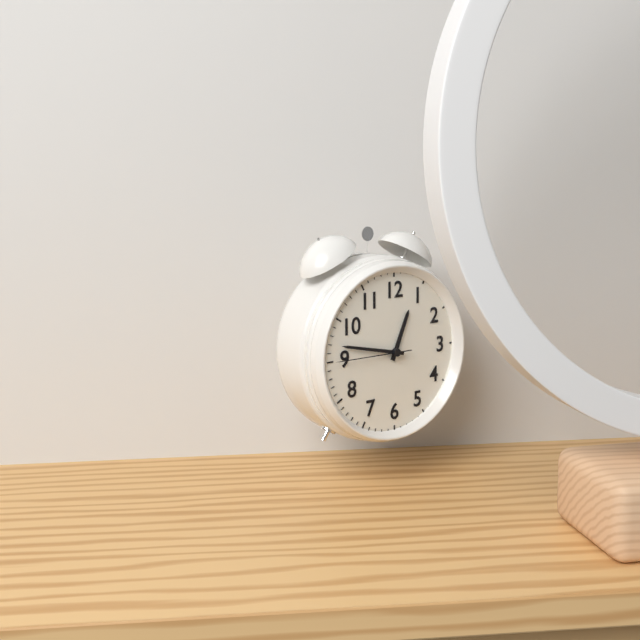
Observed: 12.47.45
